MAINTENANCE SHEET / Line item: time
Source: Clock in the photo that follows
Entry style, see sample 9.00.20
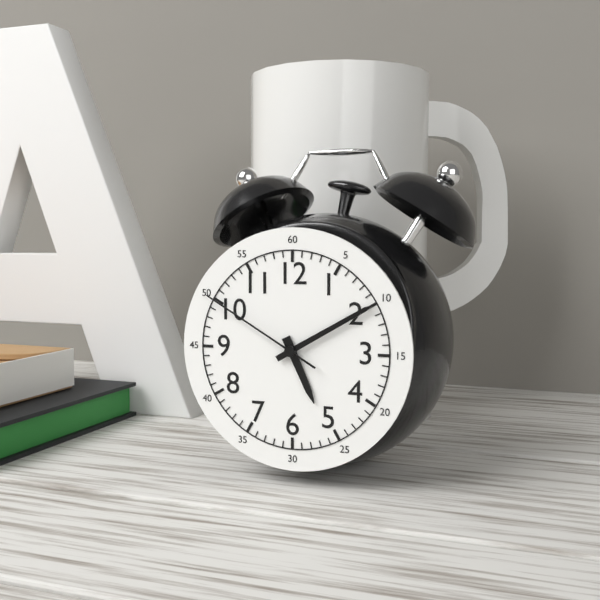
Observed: 5.10.50
